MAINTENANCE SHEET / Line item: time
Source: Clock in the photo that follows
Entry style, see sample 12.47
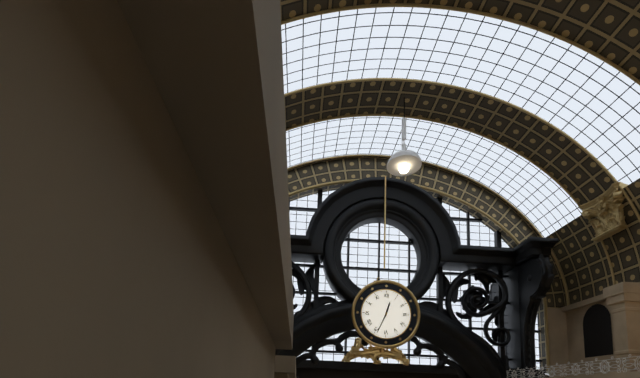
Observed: 12.34
